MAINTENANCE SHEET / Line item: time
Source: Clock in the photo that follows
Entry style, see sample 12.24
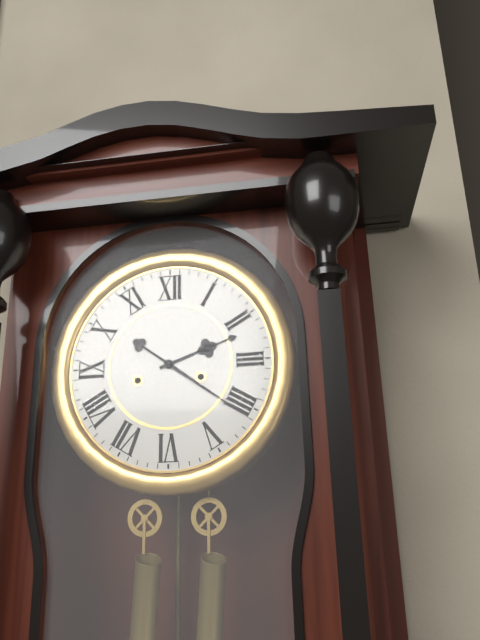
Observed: 2.21
